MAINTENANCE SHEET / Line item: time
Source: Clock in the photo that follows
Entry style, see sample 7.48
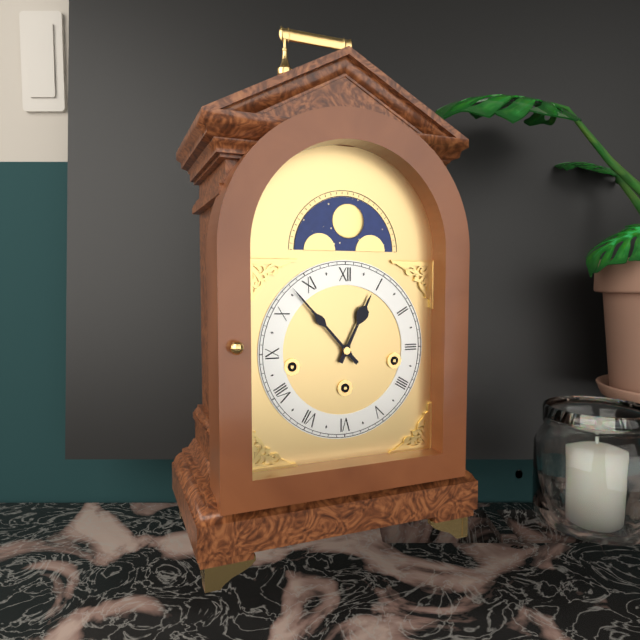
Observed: 12.53
